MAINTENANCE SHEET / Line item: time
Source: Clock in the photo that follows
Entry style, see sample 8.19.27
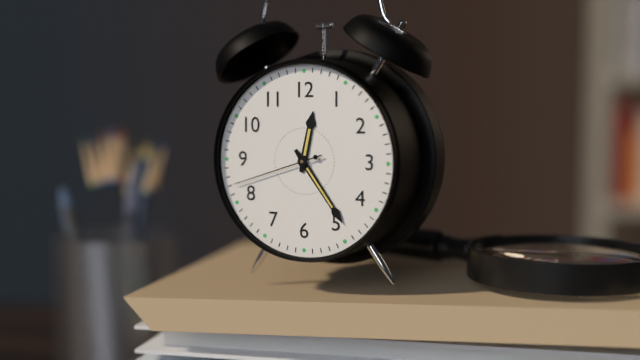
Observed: 12.24.42
